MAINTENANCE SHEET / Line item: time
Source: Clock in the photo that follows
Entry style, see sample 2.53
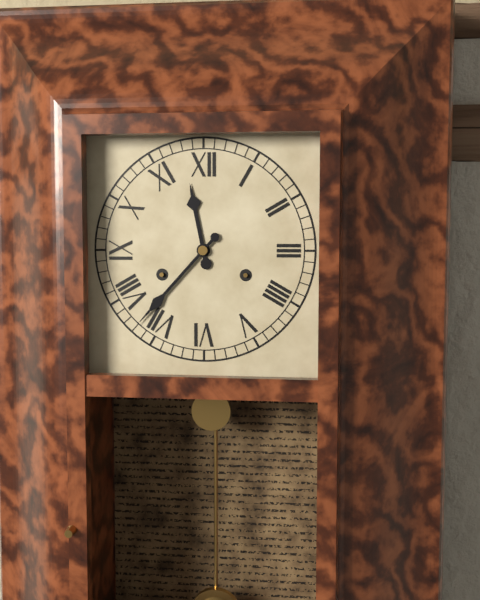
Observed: 11.37
